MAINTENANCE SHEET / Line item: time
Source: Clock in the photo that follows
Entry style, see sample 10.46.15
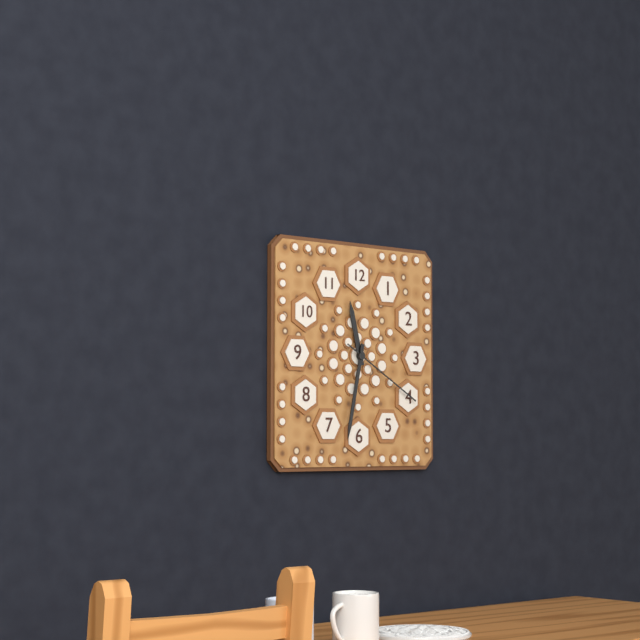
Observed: 11.32.20
